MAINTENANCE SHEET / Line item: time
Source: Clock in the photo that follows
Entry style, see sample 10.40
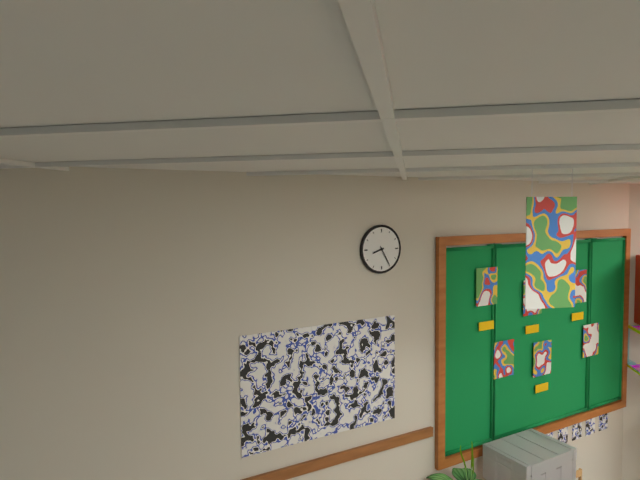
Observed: 8.25
